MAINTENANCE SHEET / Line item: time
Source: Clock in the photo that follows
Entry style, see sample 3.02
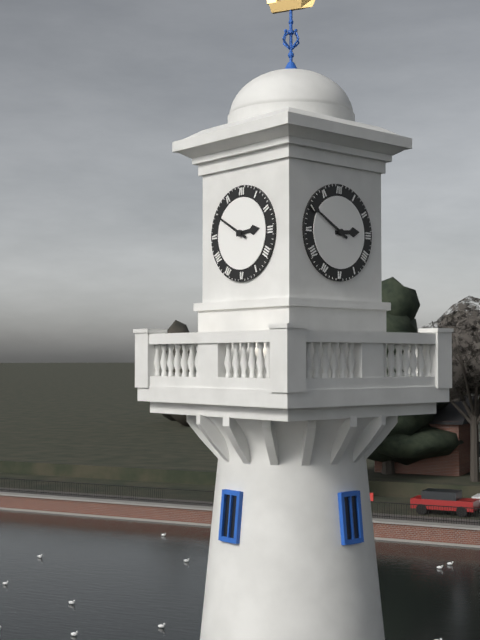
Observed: 2.50
